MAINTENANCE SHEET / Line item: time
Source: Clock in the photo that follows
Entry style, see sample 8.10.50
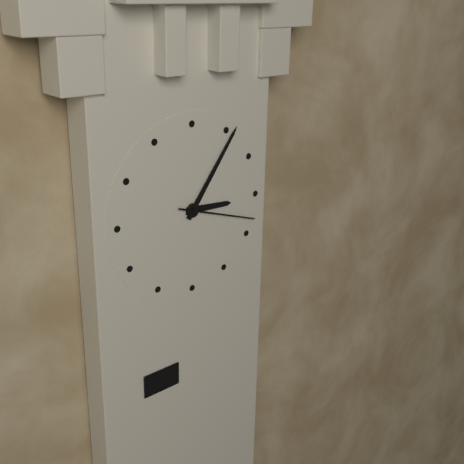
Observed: 3.06.18
